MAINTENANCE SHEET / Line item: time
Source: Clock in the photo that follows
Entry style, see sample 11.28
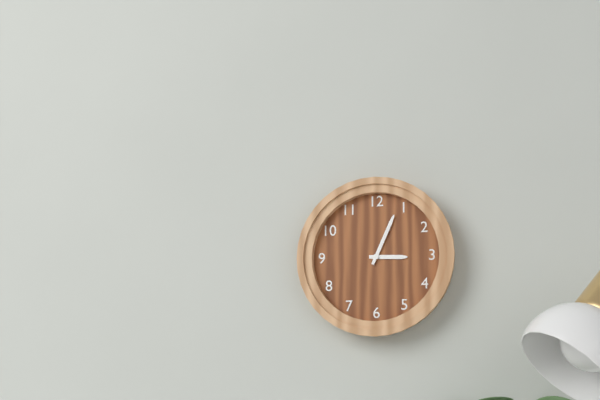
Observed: 3.04
